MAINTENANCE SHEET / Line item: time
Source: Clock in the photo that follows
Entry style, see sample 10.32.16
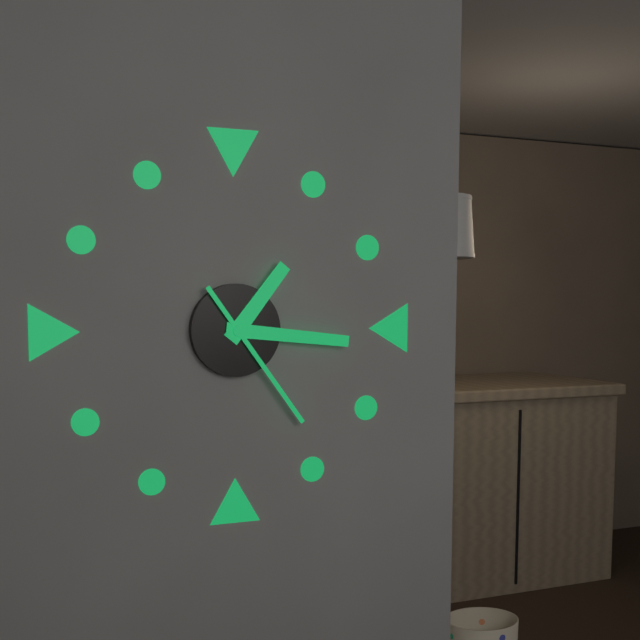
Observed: 1.16.24
